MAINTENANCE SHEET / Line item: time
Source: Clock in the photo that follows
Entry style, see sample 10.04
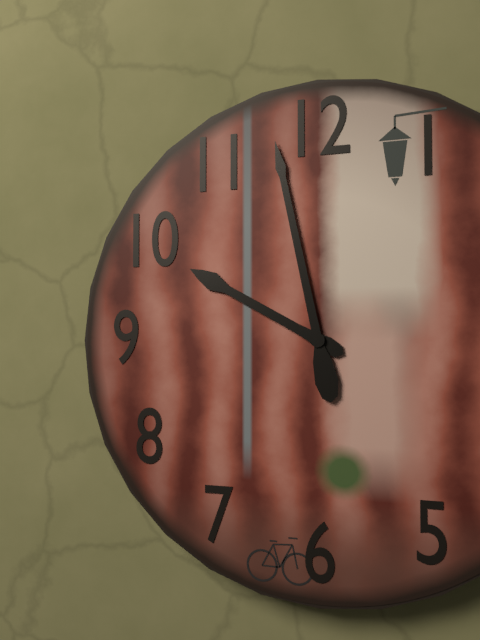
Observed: 9.58
